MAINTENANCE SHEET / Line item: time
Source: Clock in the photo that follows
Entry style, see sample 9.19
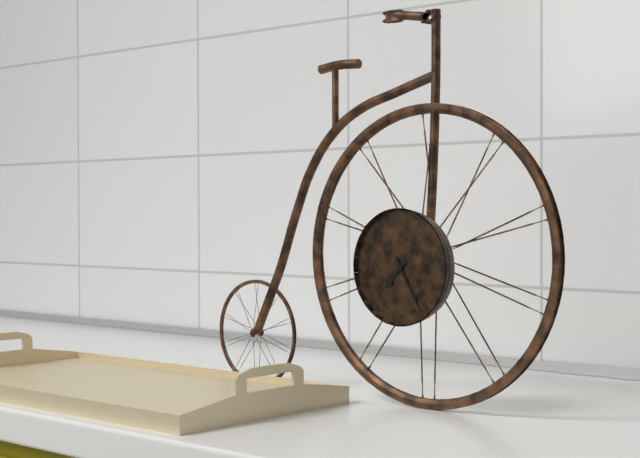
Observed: 7.25
